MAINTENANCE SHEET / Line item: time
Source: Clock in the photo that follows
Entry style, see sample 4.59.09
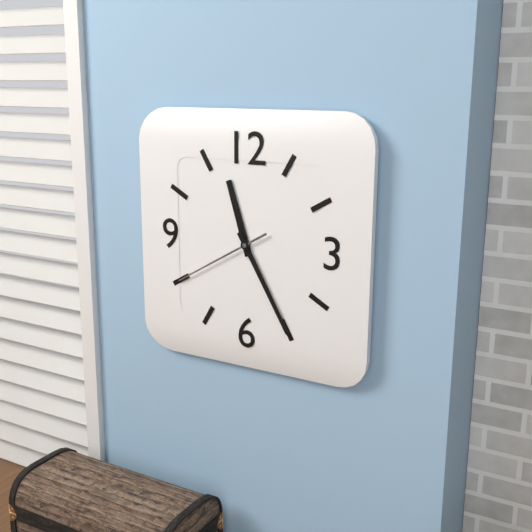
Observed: 11.25.40
